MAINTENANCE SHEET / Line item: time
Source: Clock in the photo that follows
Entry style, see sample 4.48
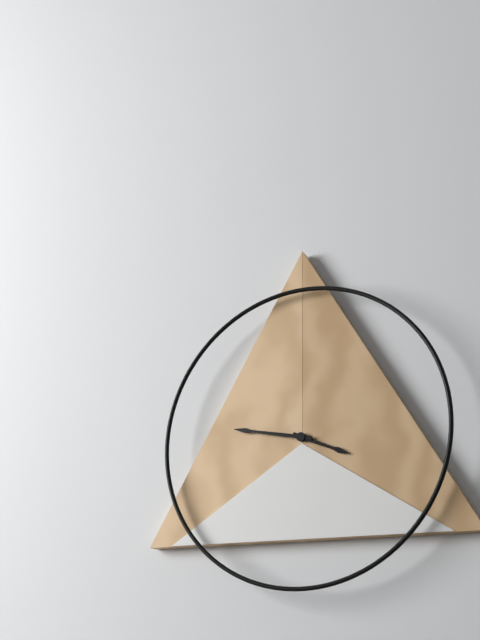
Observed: 3.47
